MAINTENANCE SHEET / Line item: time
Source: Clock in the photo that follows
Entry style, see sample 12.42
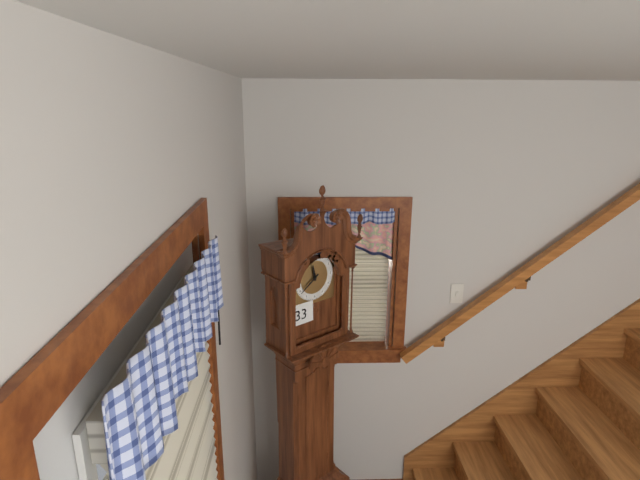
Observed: 11.39
